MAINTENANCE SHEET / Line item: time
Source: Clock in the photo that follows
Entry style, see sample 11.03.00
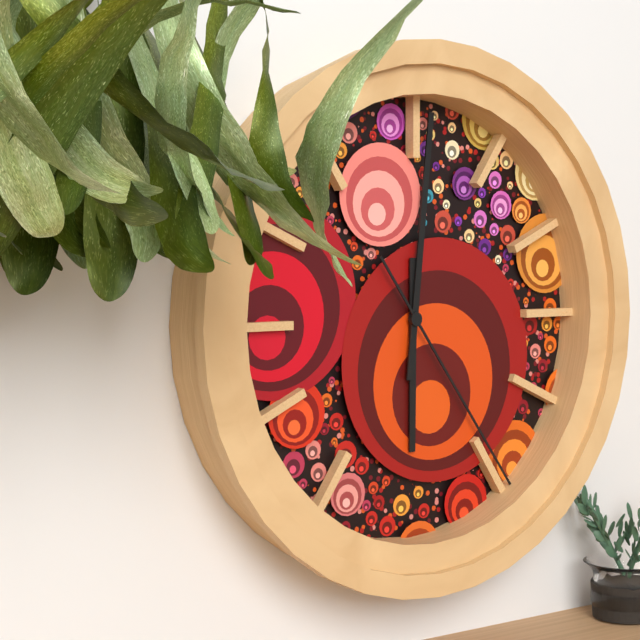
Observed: 6.01.24
